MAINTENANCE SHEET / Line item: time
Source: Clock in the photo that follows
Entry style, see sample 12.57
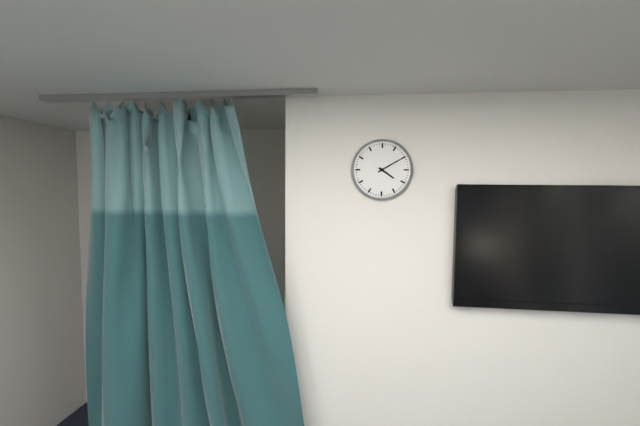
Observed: 4.10
